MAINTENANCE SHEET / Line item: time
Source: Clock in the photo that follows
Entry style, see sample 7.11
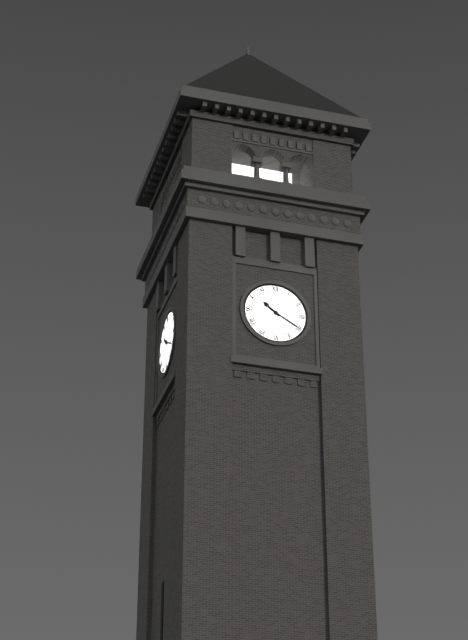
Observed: 10.20
